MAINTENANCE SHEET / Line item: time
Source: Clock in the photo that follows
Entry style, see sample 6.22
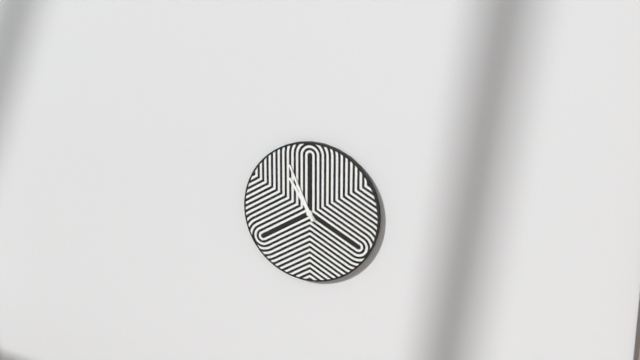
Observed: 10.56
